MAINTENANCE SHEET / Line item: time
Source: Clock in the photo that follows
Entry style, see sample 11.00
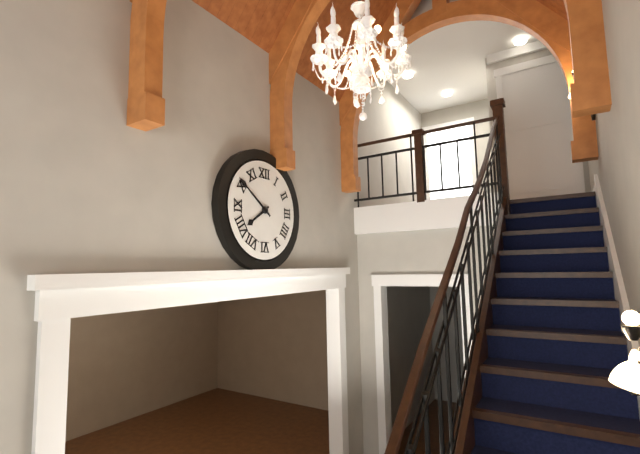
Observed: 7.51
